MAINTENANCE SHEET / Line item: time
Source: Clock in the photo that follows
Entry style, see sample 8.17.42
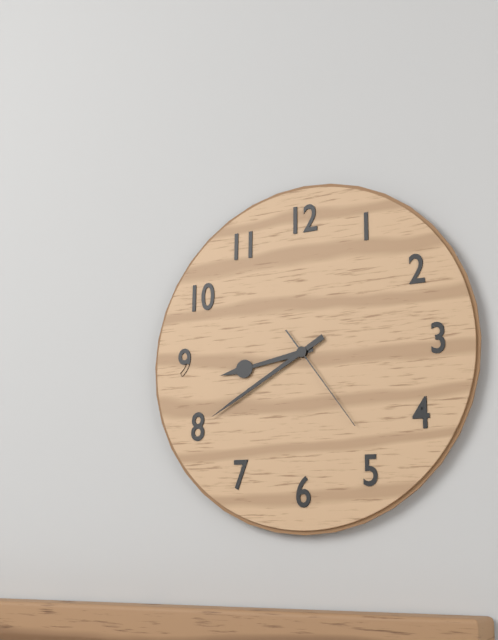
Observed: 8.40.24
